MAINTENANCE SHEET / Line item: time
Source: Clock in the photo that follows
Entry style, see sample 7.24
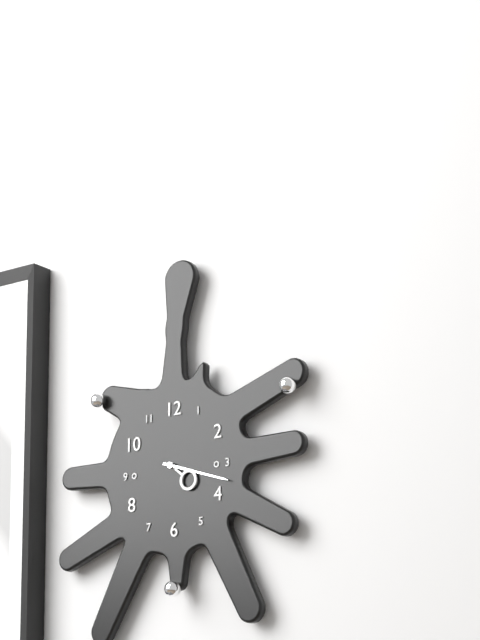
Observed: 4.18
